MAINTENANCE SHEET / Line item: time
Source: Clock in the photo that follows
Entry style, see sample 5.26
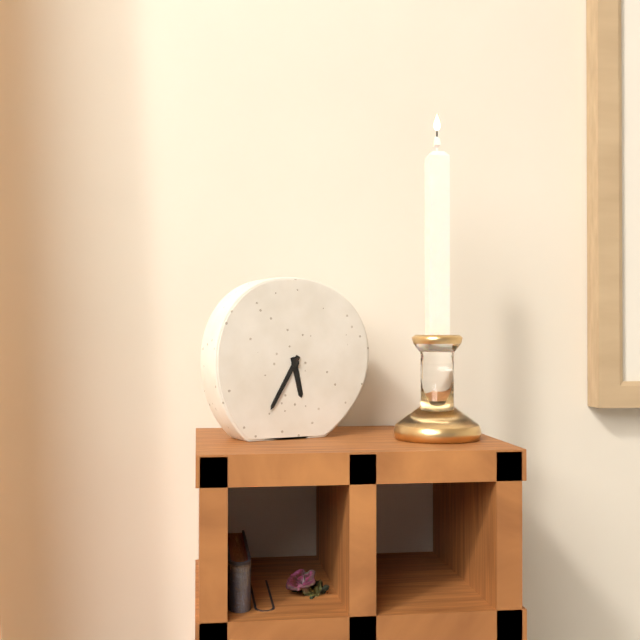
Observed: 5.35
